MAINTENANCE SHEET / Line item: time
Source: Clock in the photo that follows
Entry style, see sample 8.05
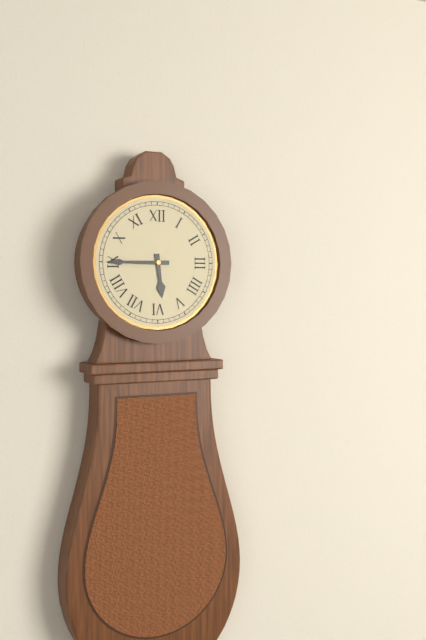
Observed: 5.45
